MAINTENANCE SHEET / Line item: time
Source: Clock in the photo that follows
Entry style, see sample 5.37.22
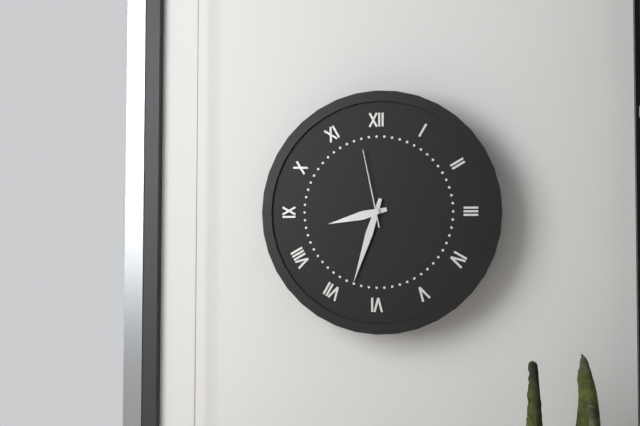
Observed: 8.33.58
